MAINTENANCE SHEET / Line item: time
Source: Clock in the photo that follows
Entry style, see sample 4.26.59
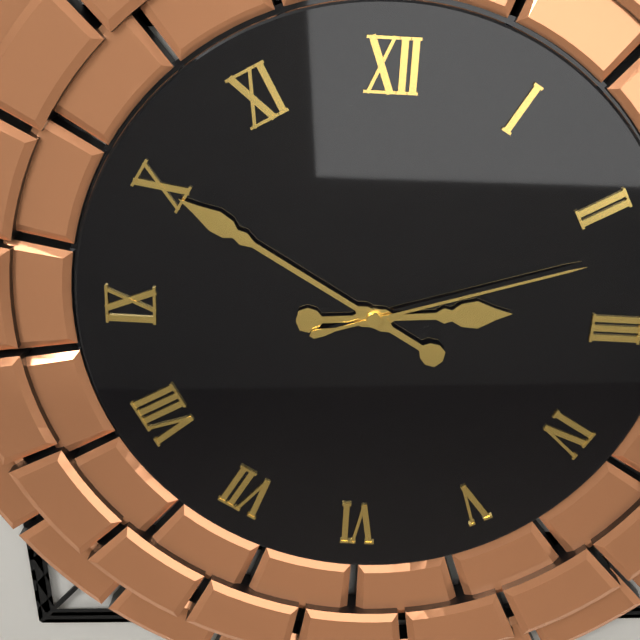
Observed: 2.50.12
